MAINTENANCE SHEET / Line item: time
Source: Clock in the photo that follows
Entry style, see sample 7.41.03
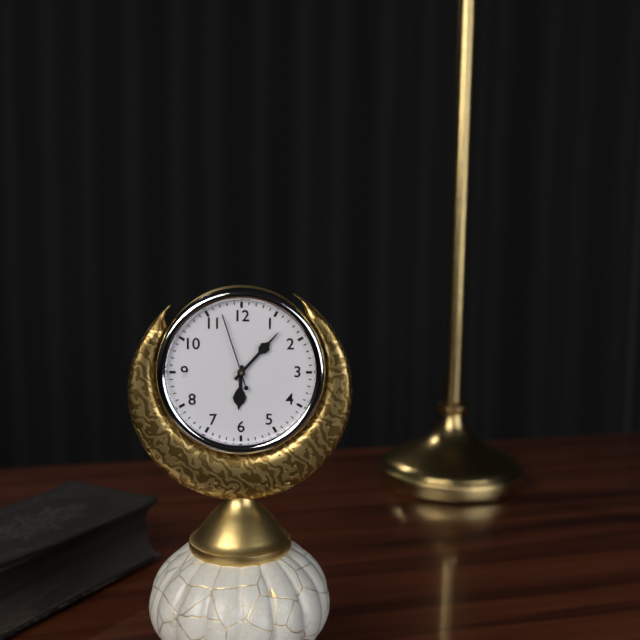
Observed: 6.07.57
